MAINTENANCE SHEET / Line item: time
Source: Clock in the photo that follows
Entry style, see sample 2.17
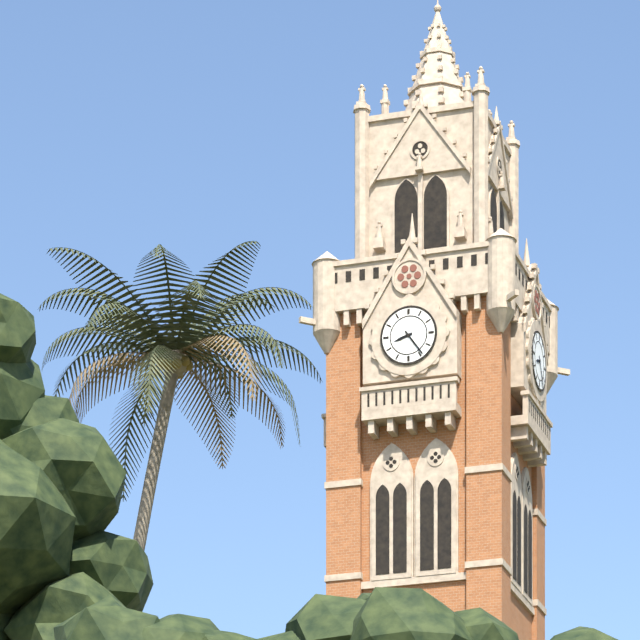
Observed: 8.24
